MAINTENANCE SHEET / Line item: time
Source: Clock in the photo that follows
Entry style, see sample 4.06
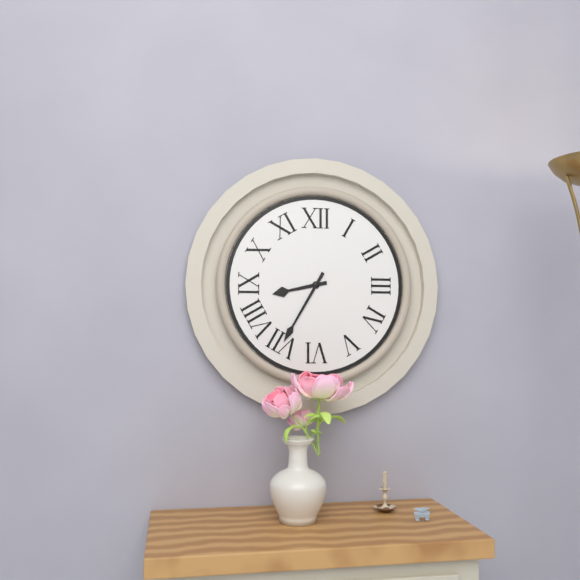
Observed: 8.35
